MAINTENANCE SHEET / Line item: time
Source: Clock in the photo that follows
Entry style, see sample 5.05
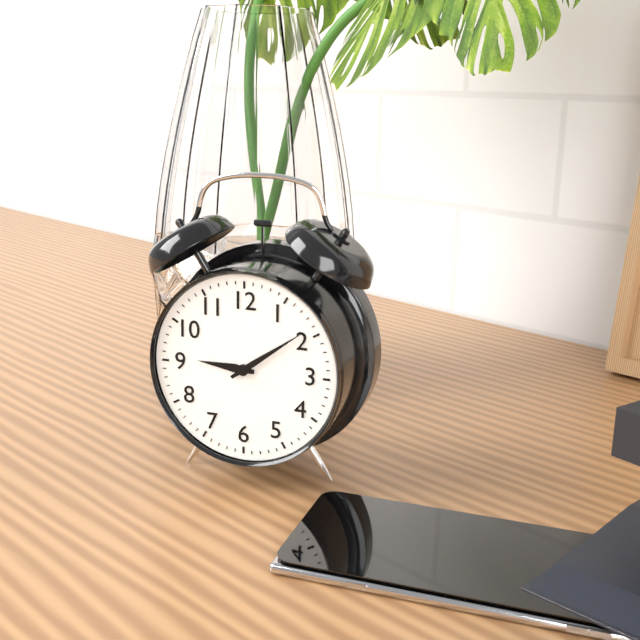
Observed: 9.09
